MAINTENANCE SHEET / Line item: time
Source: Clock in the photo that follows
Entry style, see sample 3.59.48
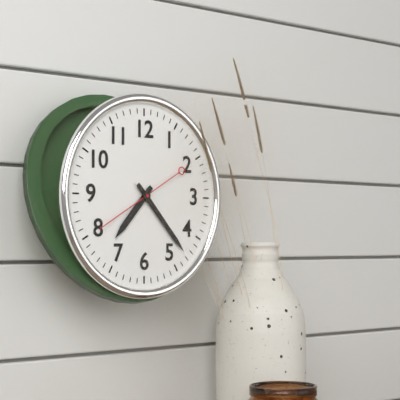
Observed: 7.23.40
